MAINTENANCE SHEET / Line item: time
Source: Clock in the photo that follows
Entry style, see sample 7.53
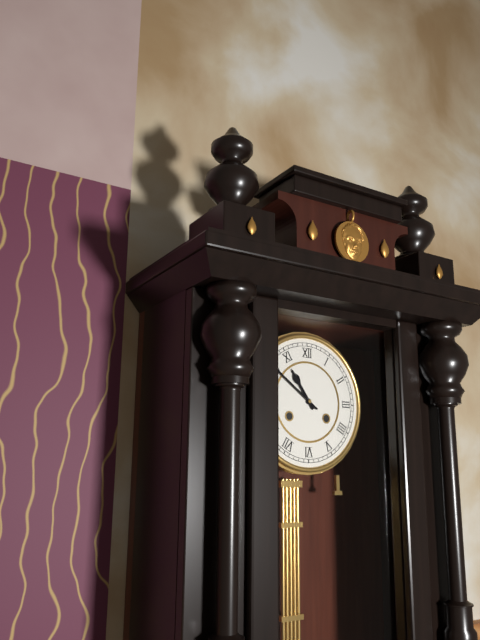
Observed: 10.51
